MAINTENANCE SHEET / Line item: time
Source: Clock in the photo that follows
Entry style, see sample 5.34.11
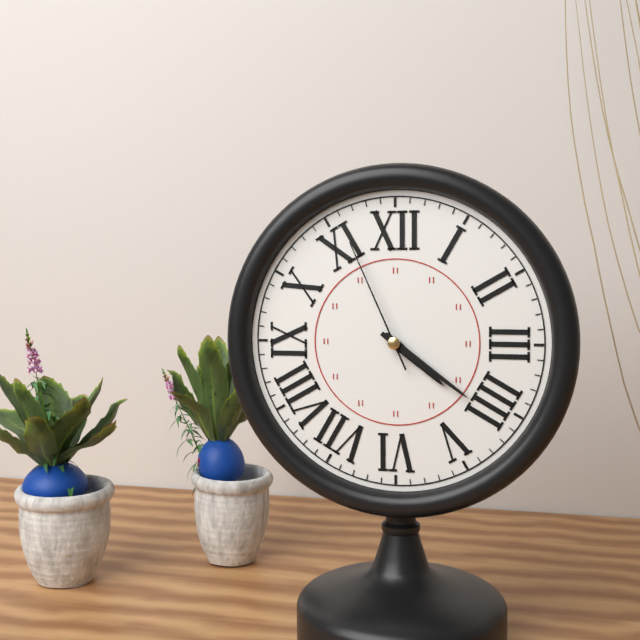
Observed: 4.21.56
